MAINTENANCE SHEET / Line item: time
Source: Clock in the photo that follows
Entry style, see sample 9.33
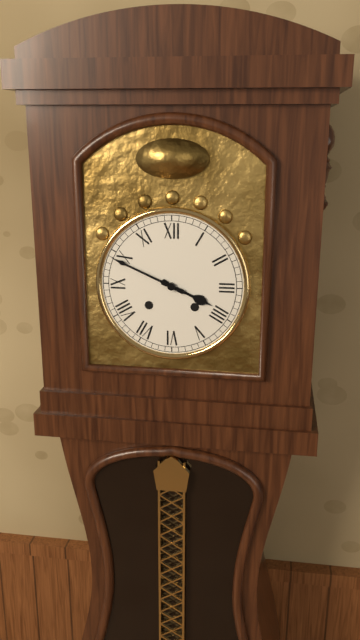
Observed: 3.49
